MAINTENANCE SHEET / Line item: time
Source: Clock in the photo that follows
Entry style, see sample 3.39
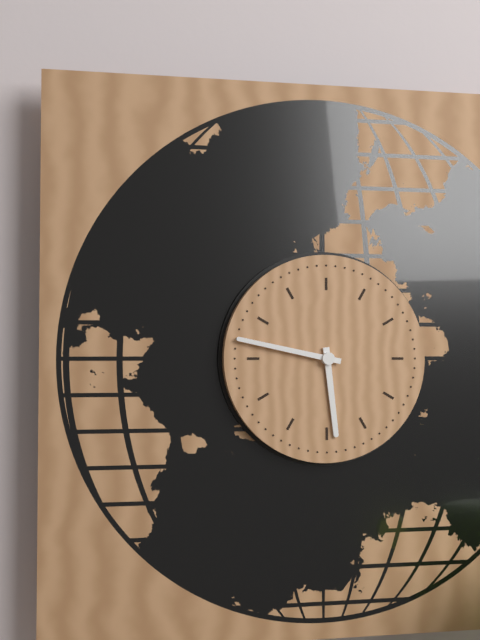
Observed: 5.47
